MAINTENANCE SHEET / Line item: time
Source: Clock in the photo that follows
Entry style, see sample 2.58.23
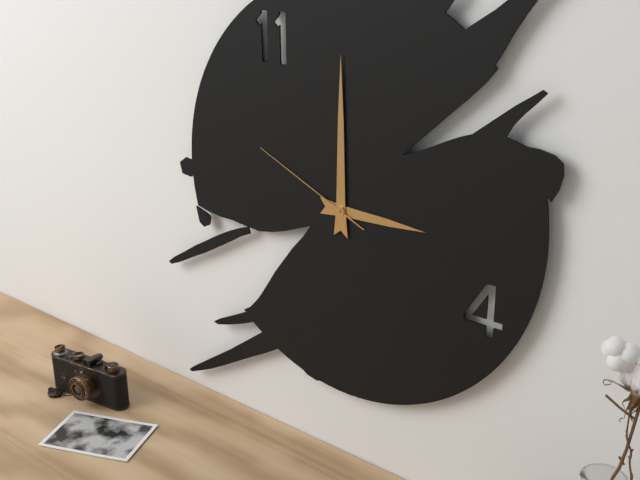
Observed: 3.00.49
